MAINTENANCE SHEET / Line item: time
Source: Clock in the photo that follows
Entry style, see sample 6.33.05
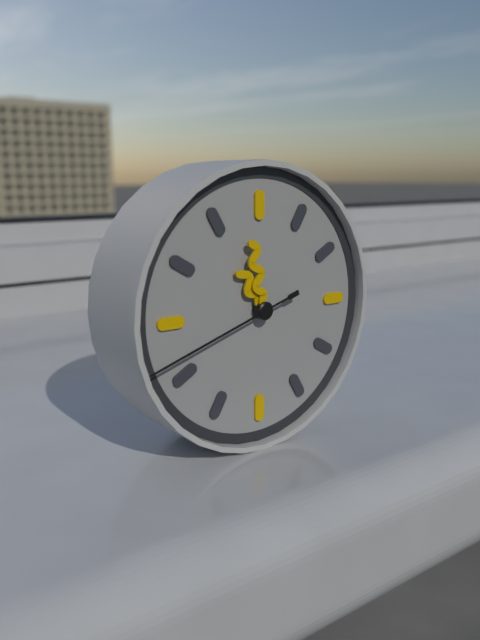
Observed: 10.58.42
